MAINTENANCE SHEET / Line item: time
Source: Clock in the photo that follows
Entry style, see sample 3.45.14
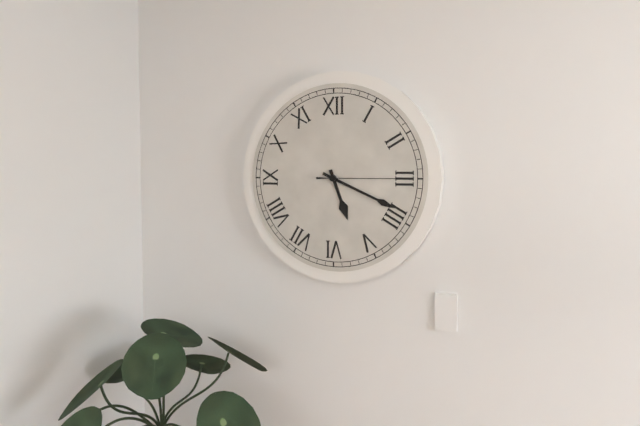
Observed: 5.19.15
